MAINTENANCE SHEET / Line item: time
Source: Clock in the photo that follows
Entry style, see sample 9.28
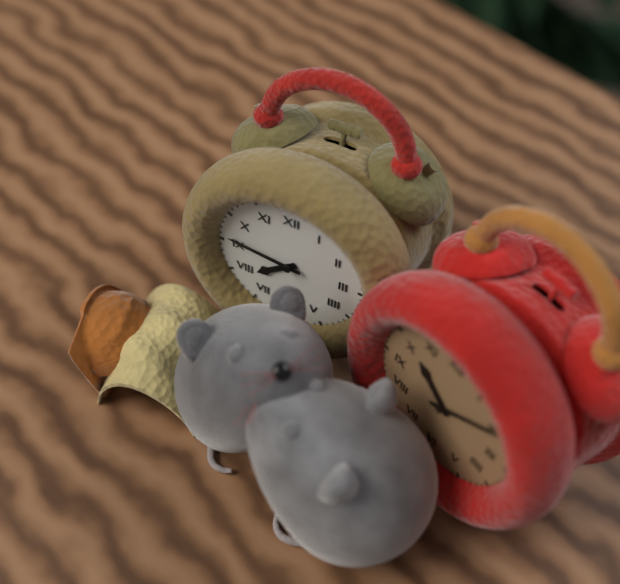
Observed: 7.46
